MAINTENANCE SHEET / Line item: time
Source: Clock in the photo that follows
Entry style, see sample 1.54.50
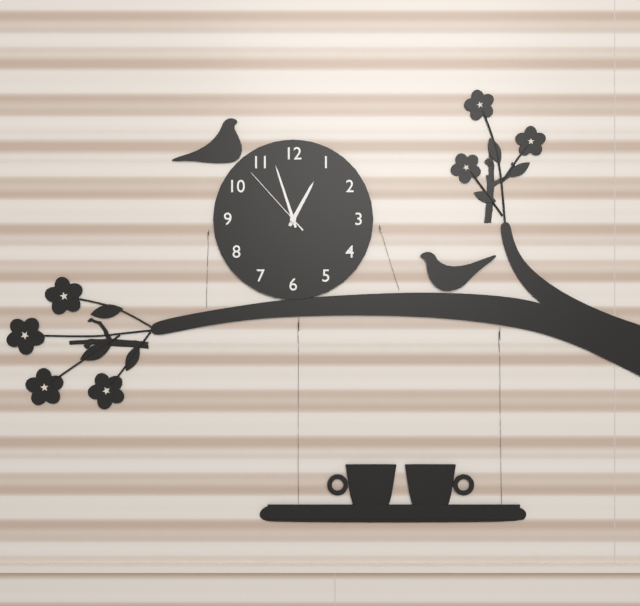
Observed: 12.57.53
